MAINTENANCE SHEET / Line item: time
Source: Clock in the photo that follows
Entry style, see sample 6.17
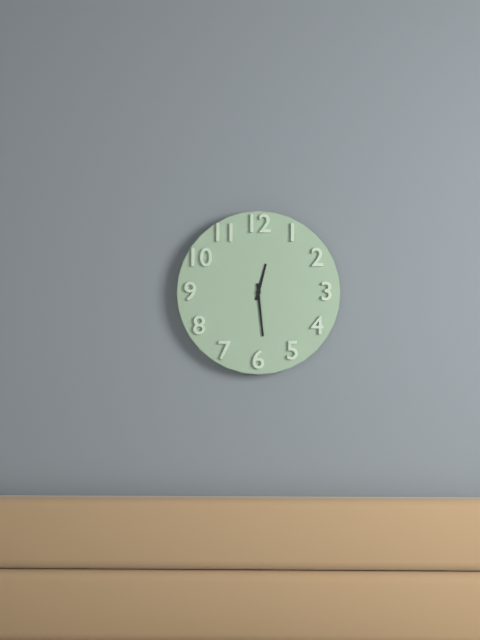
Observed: 12.29
